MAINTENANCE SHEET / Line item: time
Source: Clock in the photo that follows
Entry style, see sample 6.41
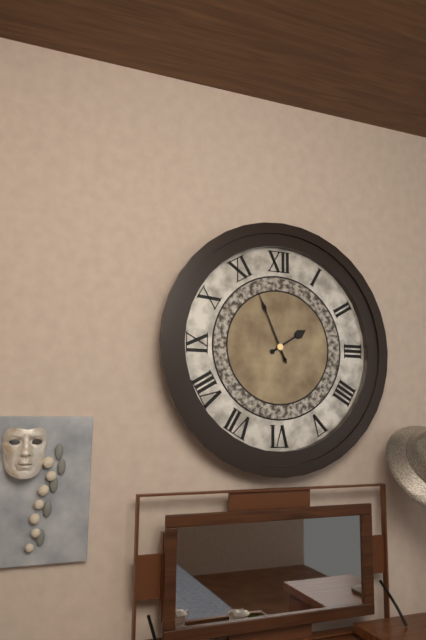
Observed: 1.56
